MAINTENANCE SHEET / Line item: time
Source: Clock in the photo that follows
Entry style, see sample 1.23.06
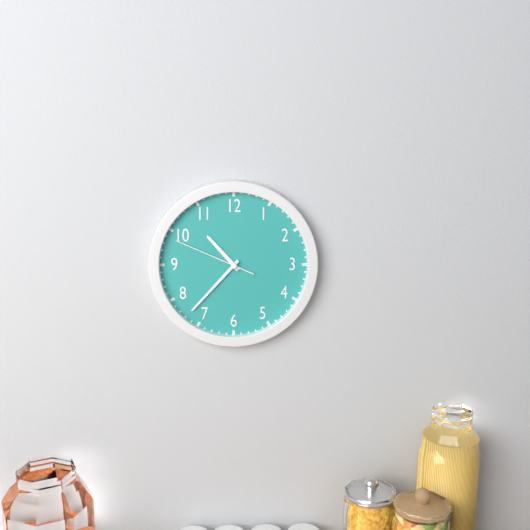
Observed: 10.37.49
